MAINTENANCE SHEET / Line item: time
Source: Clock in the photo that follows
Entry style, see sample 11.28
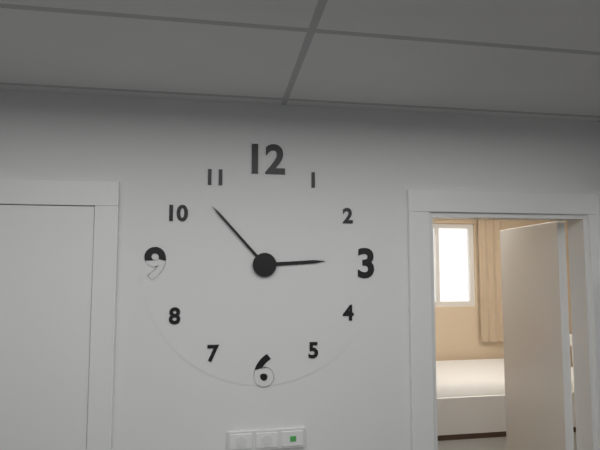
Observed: 2.53
